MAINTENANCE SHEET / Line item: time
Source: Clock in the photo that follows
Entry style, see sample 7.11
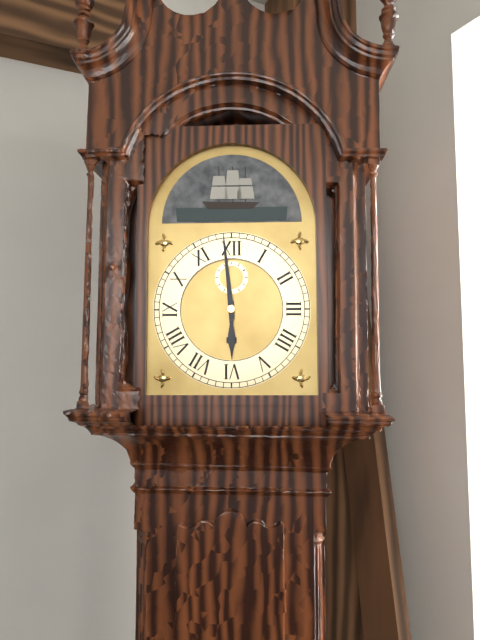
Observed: 5.59
